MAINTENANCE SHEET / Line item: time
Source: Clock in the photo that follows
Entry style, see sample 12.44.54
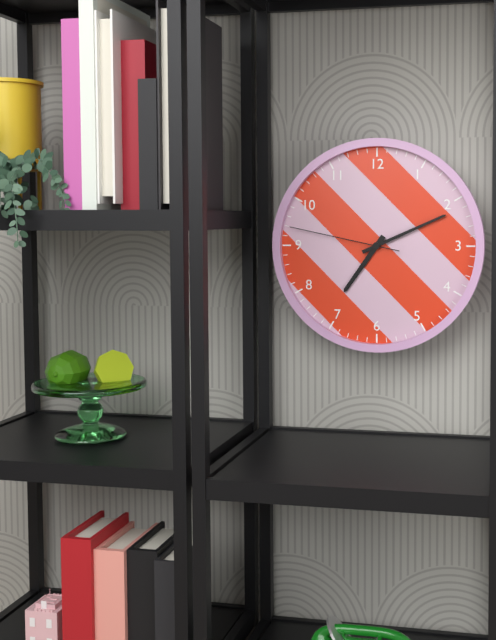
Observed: 7.11.47
